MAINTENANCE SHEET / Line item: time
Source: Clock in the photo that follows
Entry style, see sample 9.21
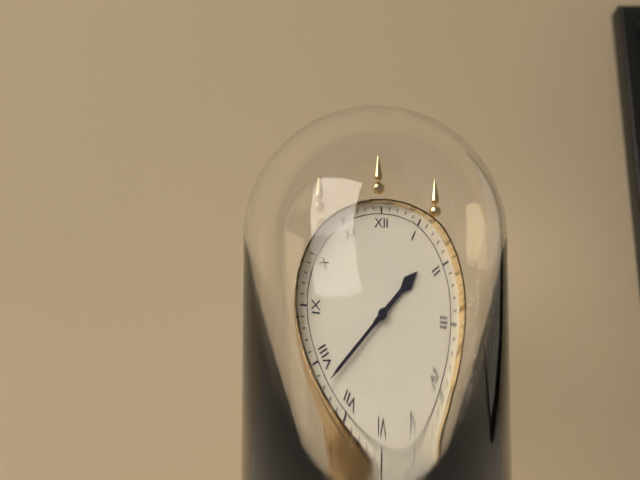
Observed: 1.38
